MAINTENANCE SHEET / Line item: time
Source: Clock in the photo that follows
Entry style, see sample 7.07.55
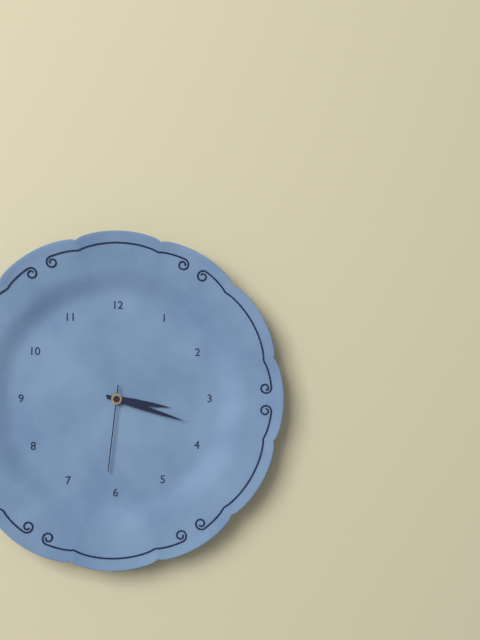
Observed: 3.18.31
